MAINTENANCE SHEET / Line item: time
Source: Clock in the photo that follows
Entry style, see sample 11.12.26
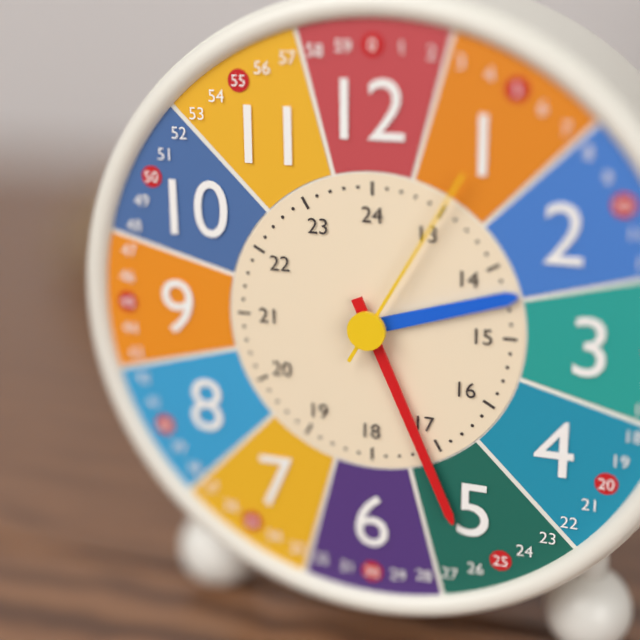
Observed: 2.26.05
